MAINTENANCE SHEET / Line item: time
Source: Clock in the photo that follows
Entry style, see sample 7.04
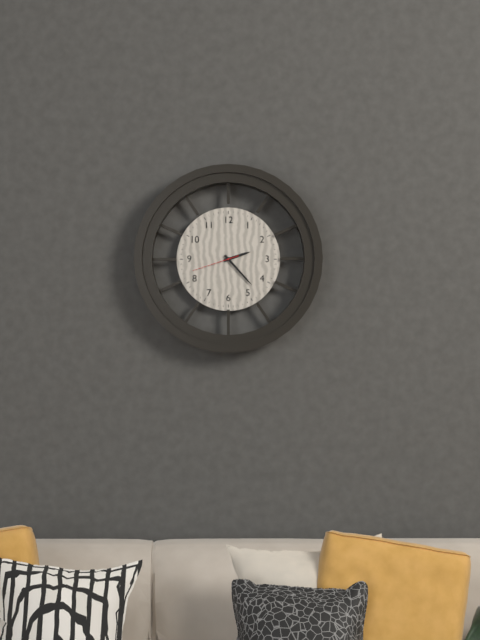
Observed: 2.23
